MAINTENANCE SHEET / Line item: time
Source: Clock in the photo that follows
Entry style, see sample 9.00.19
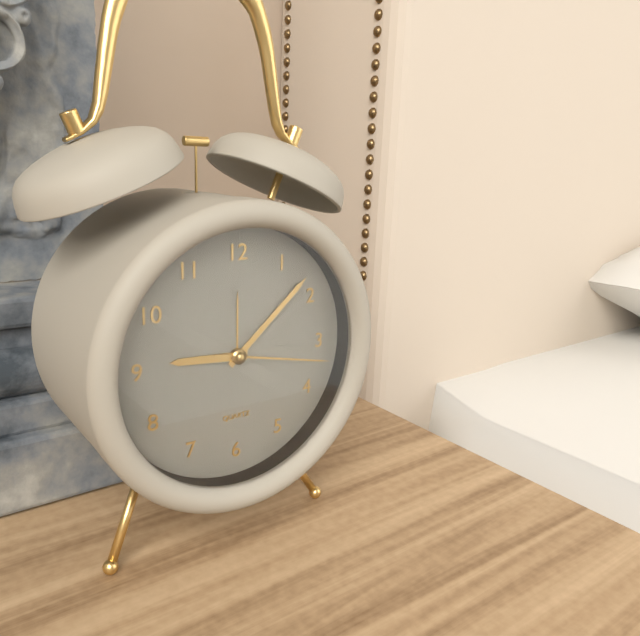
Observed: 9.08.17
